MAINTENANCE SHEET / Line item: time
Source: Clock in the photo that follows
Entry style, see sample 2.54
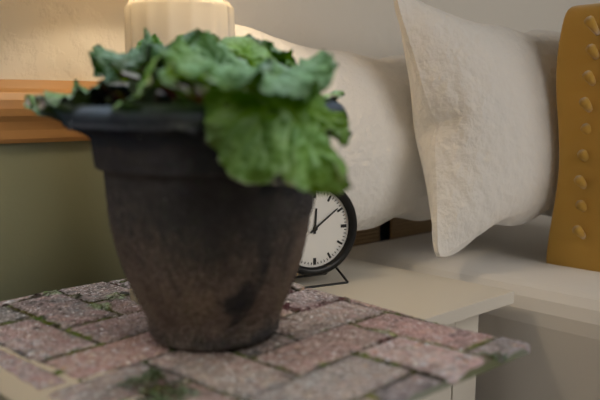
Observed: 12.09
